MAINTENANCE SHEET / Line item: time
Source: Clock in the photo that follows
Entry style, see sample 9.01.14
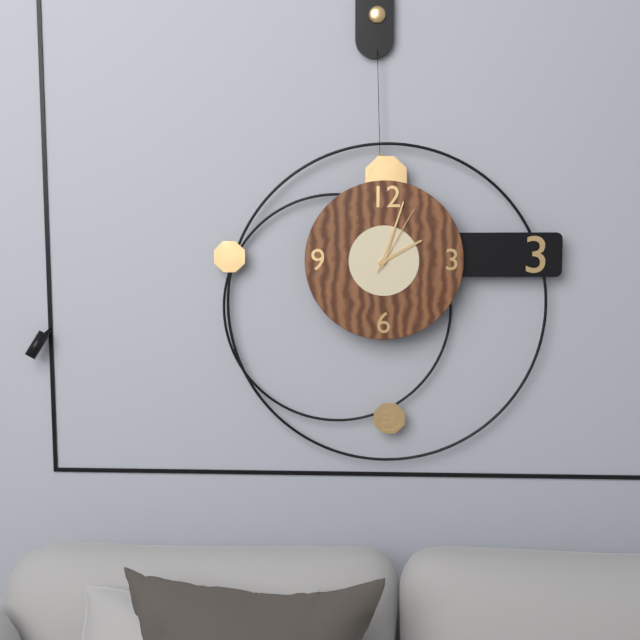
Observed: 2.03.05
